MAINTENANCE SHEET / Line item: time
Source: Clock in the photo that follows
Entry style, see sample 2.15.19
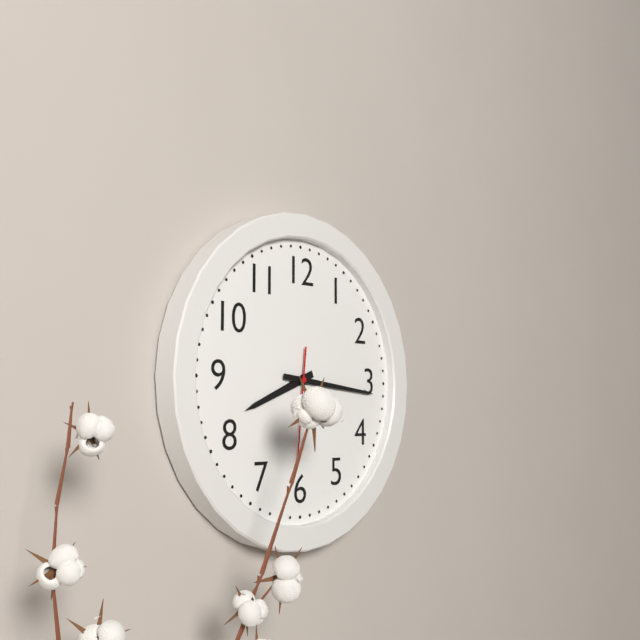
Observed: 8.16.31
